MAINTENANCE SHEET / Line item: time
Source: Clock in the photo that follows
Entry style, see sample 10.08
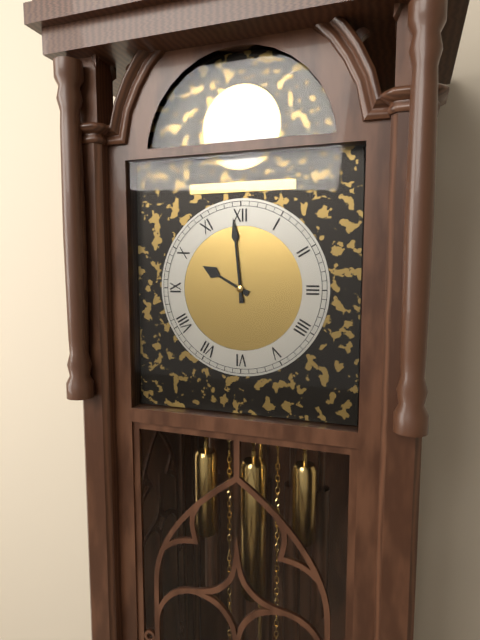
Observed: 9.59
